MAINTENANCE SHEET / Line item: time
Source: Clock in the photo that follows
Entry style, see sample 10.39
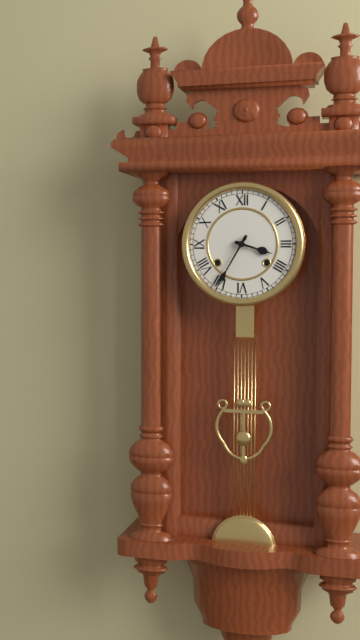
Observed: 3.35
